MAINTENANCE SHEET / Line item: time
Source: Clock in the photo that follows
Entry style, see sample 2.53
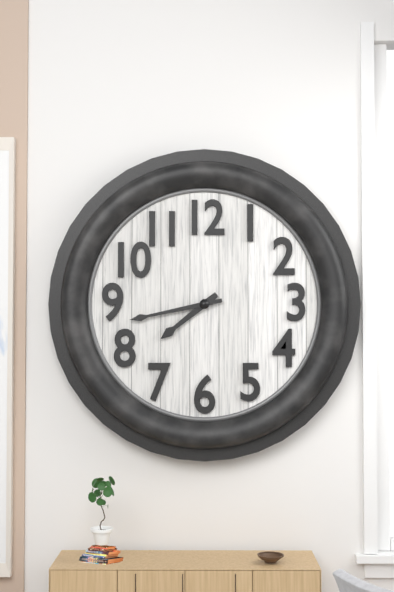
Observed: 7.43
